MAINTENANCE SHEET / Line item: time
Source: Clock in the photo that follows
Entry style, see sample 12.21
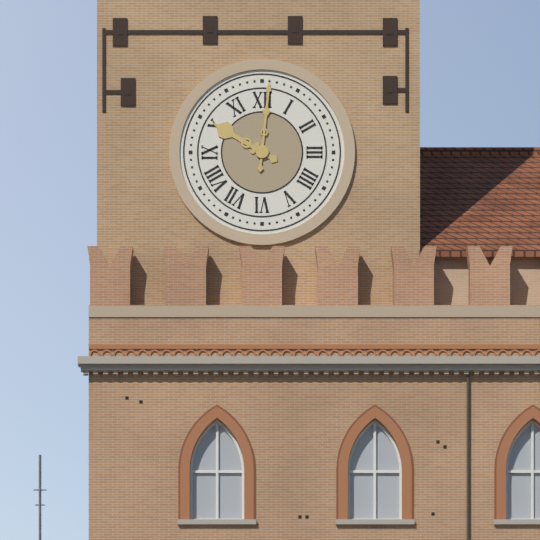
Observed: 10.01
